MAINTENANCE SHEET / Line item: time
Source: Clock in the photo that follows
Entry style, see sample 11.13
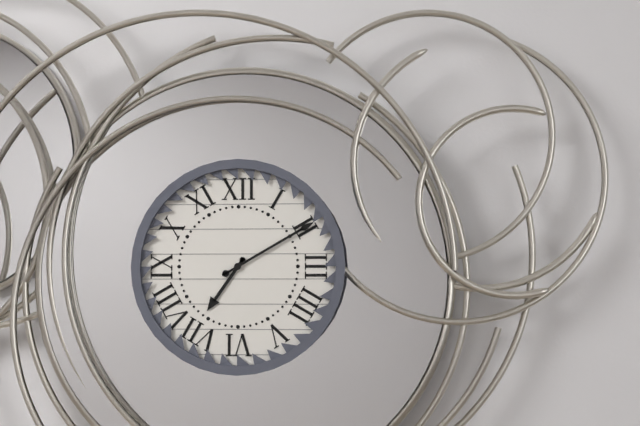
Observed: 7.10
